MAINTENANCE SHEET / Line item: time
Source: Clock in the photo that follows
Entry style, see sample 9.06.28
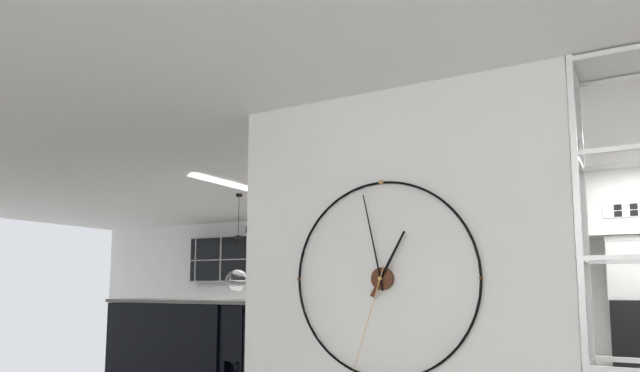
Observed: 12.58.33
